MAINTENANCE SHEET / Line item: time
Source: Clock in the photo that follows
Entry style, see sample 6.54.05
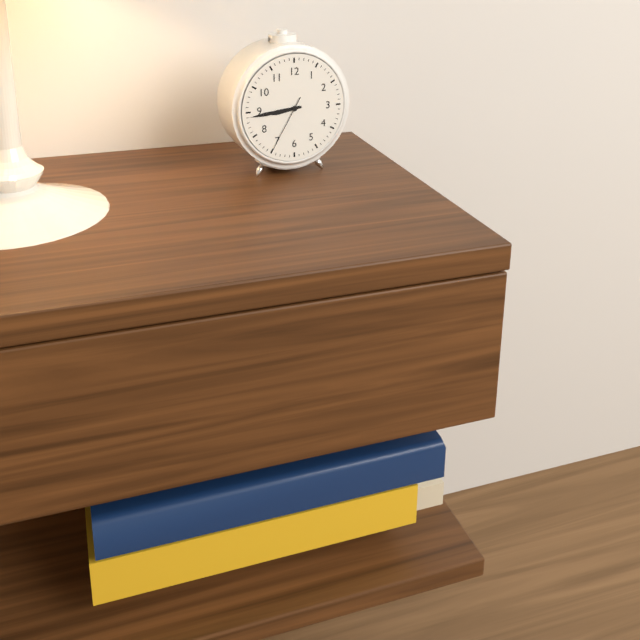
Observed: 8.44.35
